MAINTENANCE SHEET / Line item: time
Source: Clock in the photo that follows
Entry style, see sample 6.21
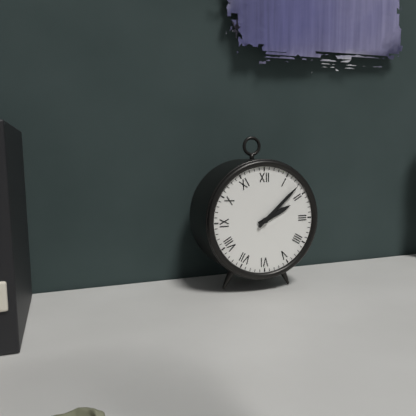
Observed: 2.08
